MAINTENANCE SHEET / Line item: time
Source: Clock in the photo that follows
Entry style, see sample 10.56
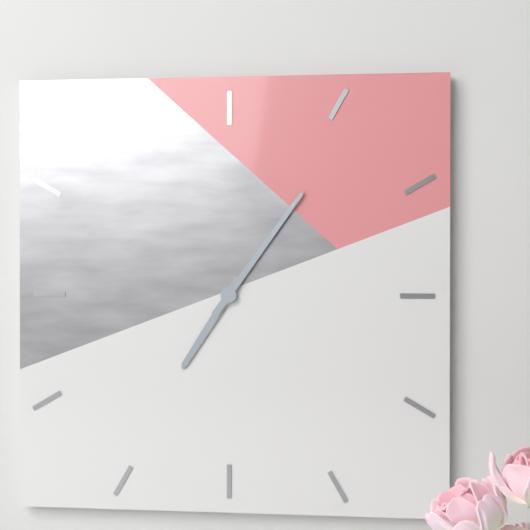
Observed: 7.06
